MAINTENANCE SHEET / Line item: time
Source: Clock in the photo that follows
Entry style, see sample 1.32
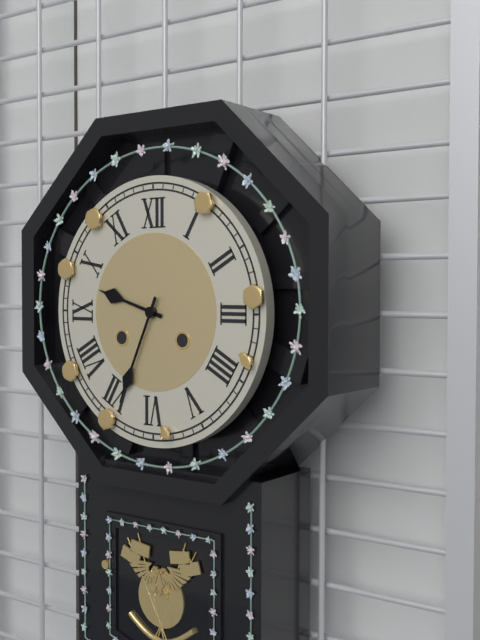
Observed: 9.34
